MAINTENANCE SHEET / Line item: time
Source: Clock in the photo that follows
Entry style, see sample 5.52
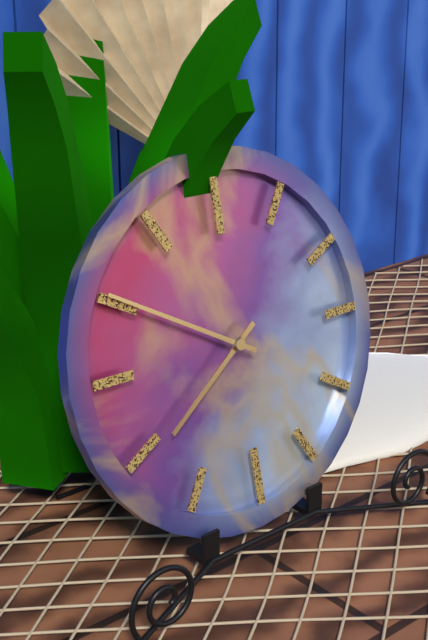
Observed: 7.50
